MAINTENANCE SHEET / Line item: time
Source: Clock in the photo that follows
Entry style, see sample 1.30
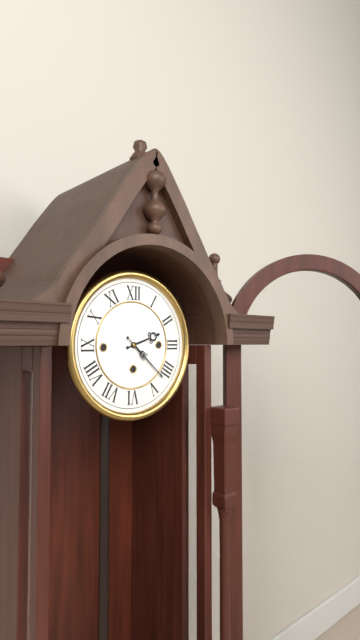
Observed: 2.22
